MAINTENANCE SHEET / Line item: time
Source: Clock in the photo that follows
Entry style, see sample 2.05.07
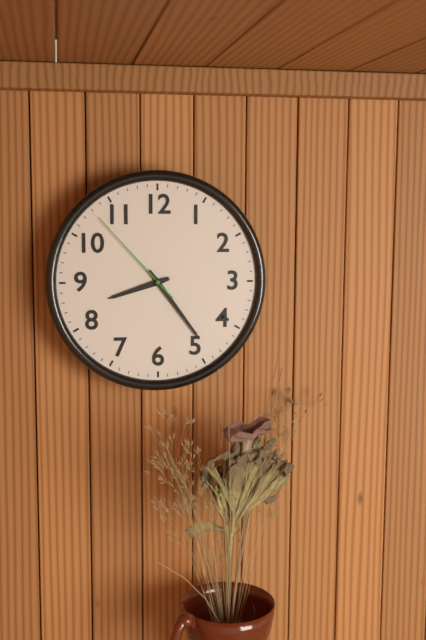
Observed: 8.24.53
